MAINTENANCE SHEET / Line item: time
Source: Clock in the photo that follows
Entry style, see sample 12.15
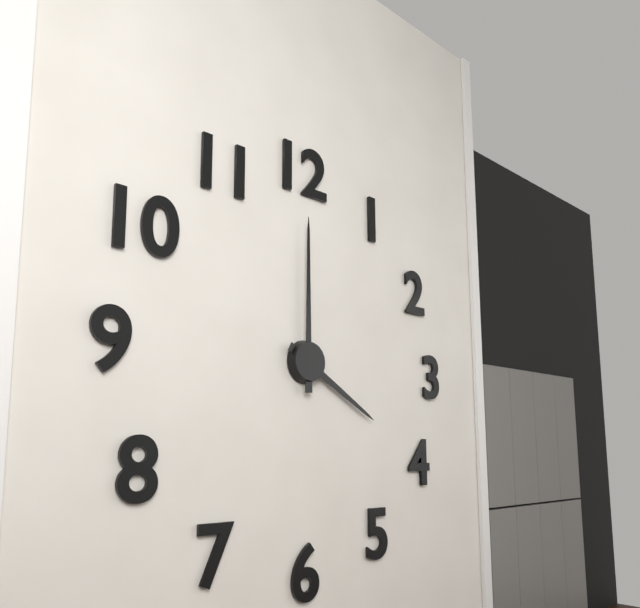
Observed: 4.00
